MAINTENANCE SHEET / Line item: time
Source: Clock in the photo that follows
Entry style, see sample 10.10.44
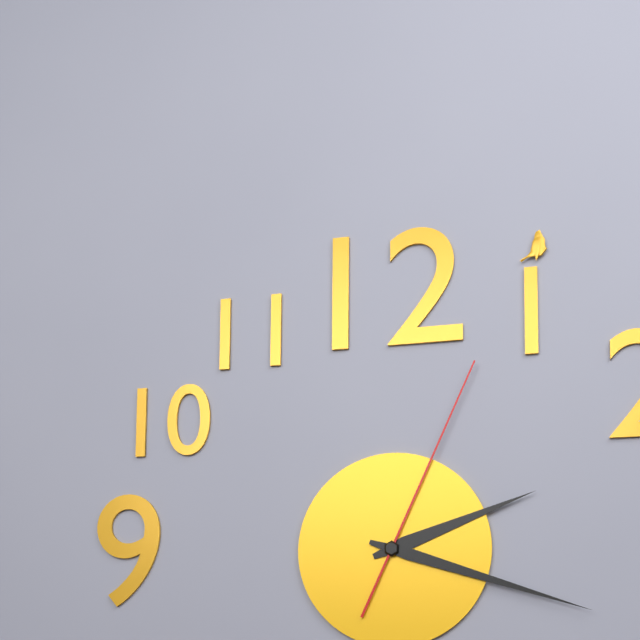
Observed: 2.18.04
